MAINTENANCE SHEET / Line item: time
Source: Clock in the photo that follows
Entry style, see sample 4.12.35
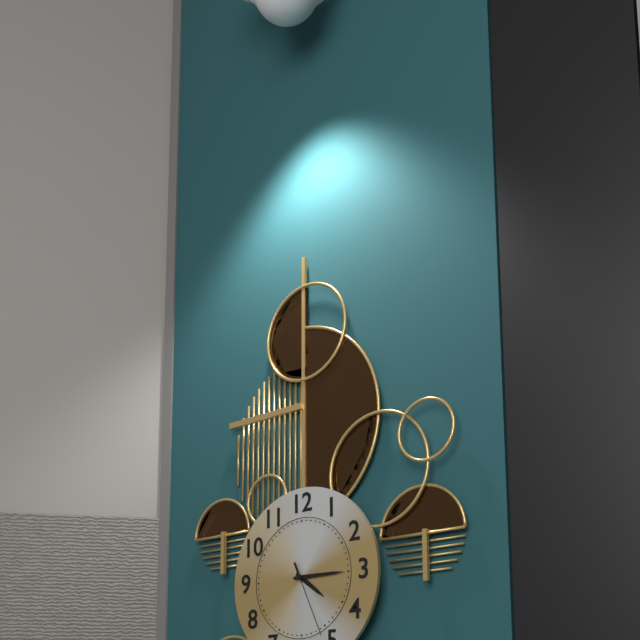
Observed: 4.15.26
